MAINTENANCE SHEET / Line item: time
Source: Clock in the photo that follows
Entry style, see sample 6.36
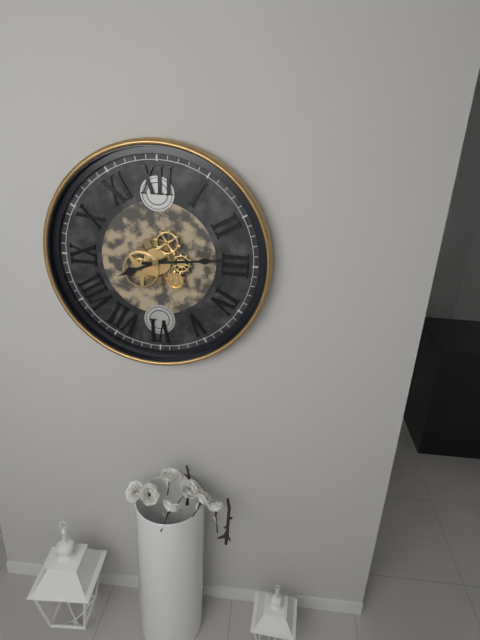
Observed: 8.14
